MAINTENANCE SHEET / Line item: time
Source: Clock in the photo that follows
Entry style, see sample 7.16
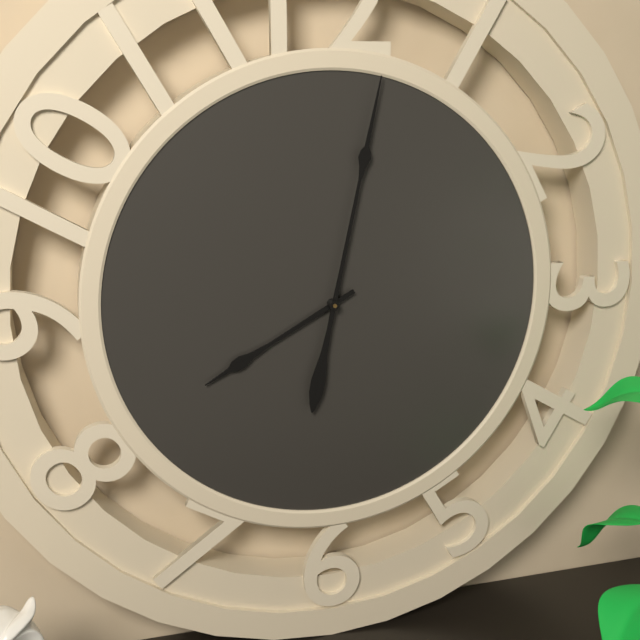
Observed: 8.02
